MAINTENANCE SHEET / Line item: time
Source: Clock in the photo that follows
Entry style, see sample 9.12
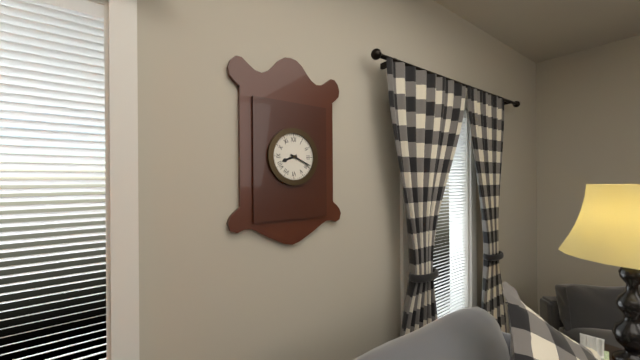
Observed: 8.19
